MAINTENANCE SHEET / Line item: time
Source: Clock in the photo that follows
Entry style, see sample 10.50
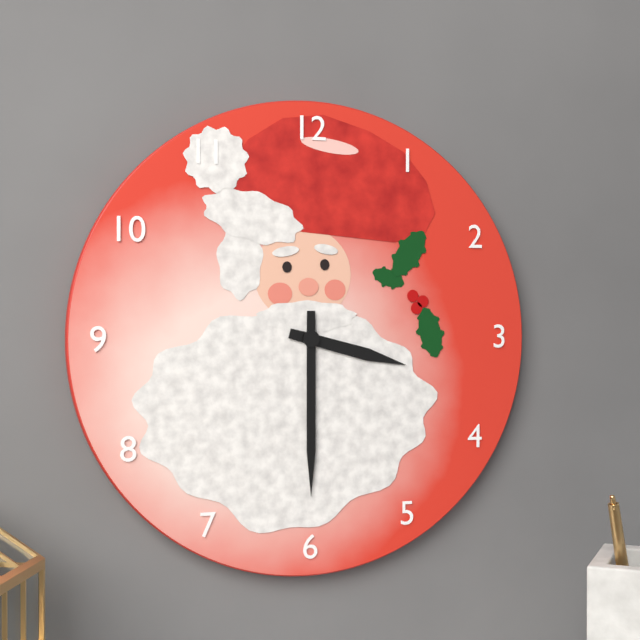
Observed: 3.30
